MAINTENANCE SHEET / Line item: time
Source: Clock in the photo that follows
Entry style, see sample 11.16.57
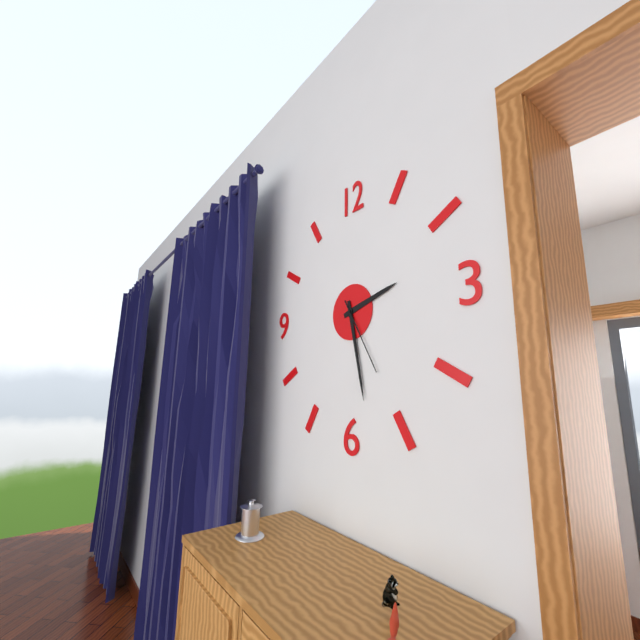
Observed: 2.28.25
